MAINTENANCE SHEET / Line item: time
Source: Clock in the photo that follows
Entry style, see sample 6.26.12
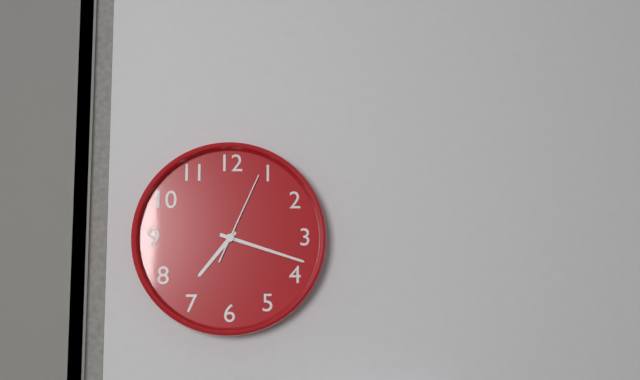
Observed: 7.18.04
